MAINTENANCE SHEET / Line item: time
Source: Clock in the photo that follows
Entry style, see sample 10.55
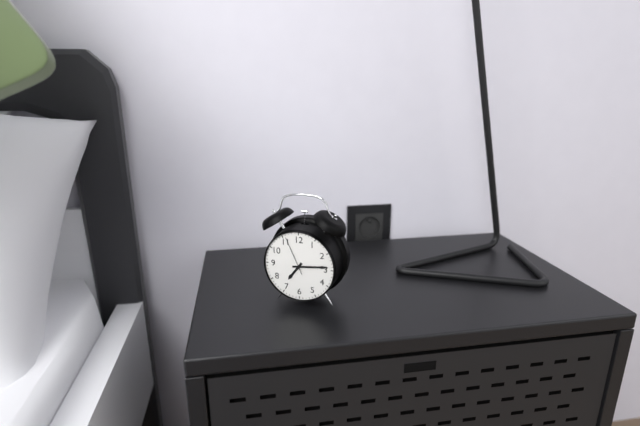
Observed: 7.14
